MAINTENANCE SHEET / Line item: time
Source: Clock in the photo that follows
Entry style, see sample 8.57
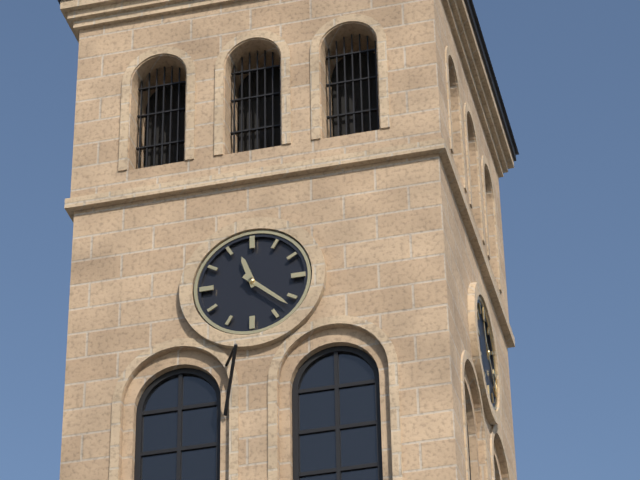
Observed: 11.22
